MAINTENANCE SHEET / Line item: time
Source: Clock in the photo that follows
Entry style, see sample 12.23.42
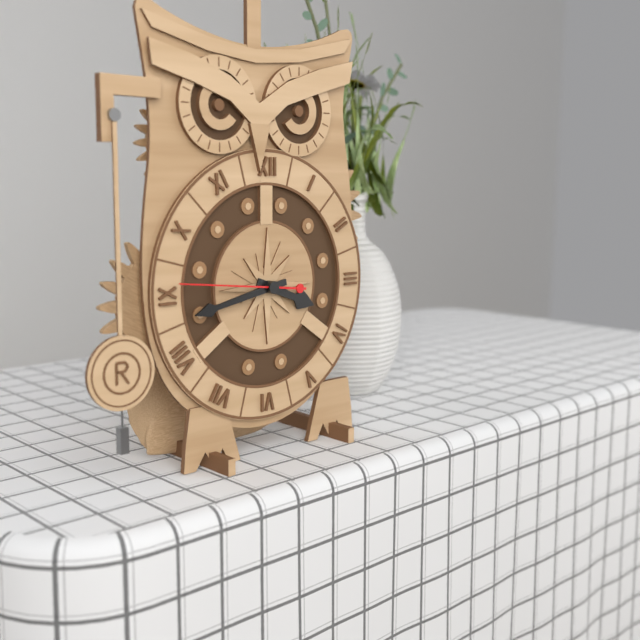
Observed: 3.43.46
